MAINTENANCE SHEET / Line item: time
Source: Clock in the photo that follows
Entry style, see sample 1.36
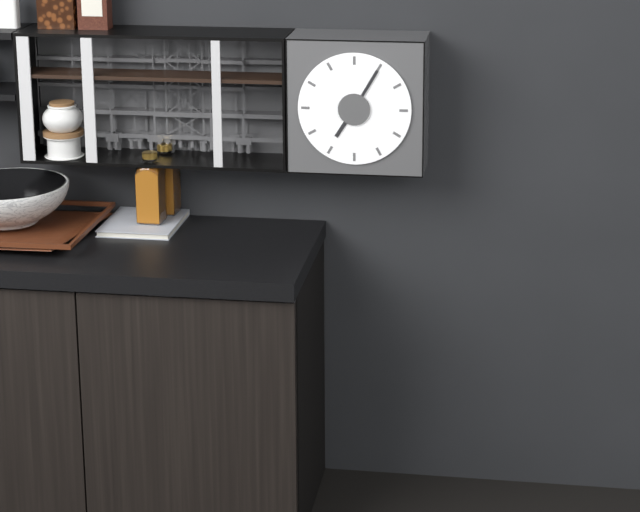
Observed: 7.05
